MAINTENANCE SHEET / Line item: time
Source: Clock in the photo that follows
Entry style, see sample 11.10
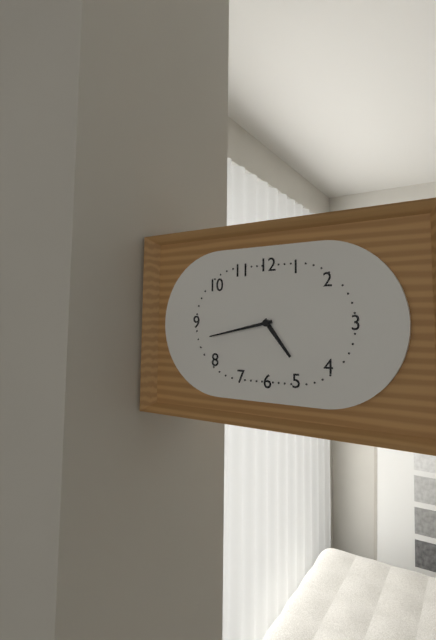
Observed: 4.43
